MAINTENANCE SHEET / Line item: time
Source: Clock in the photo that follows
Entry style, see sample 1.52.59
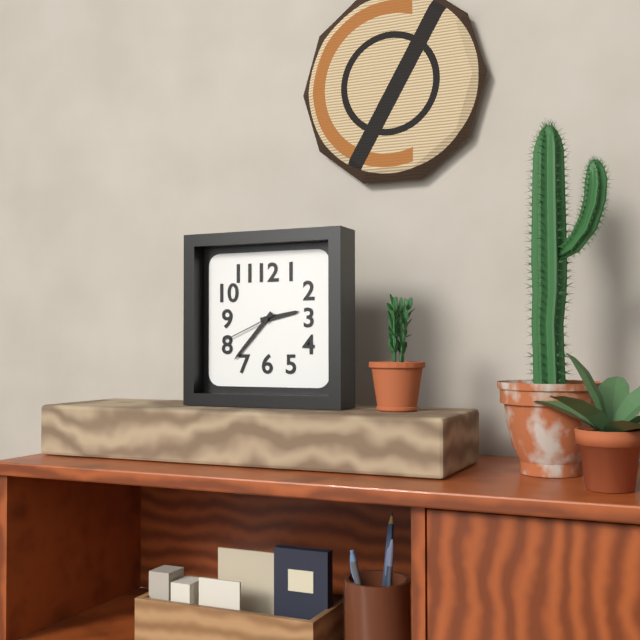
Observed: 2.37.41
